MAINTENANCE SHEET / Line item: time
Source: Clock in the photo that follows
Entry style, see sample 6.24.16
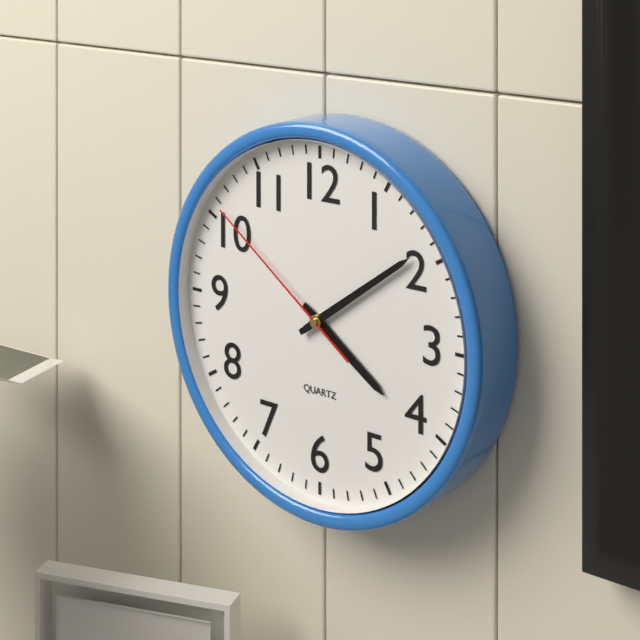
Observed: 4.09.51
